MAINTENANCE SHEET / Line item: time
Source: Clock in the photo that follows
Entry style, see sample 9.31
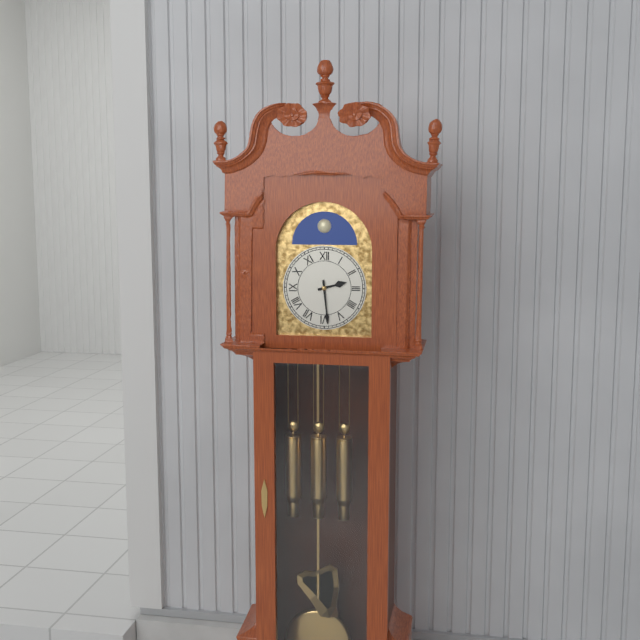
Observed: 2.29
